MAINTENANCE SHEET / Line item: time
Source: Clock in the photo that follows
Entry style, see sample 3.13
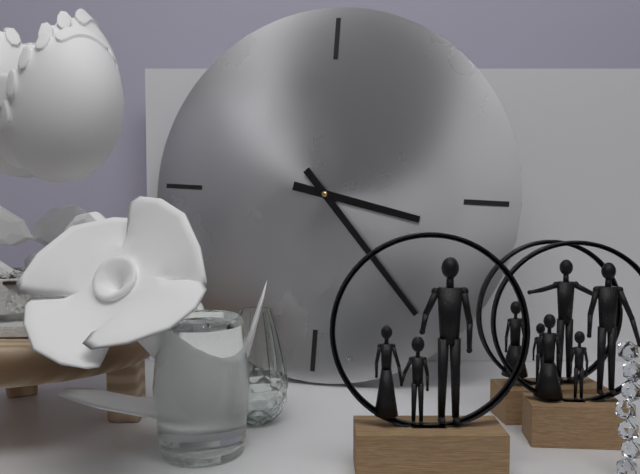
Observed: 3.23
